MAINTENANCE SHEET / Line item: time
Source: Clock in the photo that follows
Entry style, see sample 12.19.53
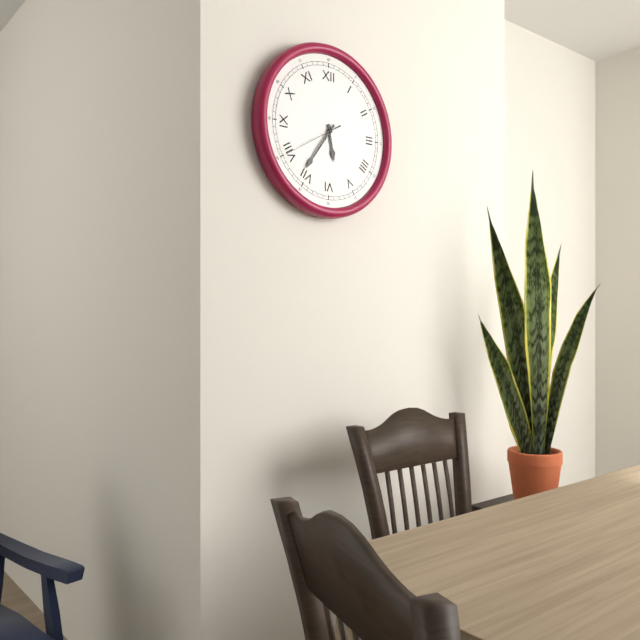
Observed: 5.36.40
